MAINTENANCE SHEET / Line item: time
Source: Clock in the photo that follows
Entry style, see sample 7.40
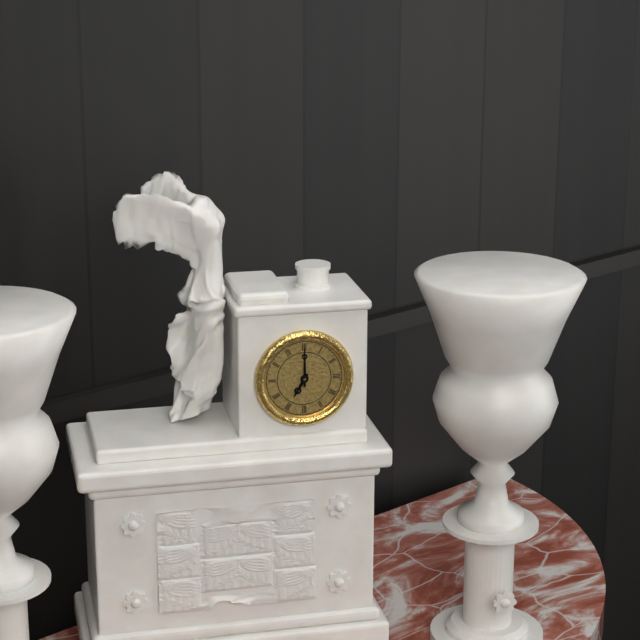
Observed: 7.00
